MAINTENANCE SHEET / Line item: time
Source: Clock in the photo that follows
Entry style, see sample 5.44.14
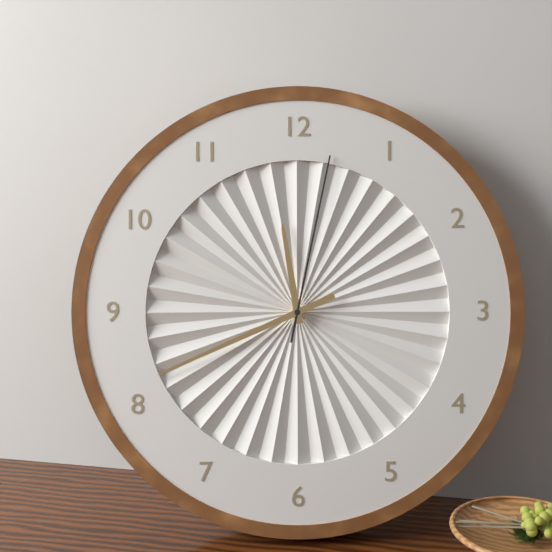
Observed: 11.41.02
